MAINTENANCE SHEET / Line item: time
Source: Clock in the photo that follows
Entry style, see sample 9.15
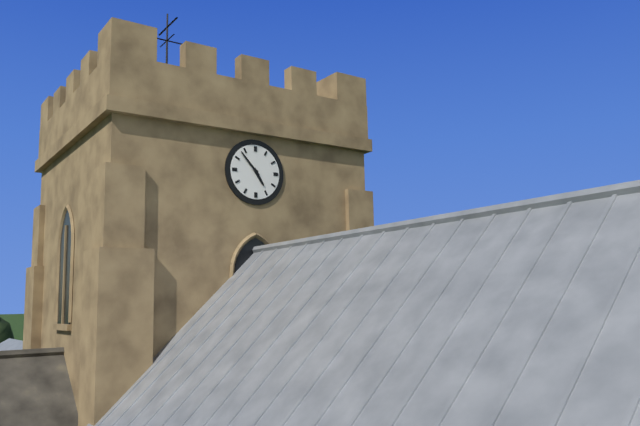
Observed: 4.53
